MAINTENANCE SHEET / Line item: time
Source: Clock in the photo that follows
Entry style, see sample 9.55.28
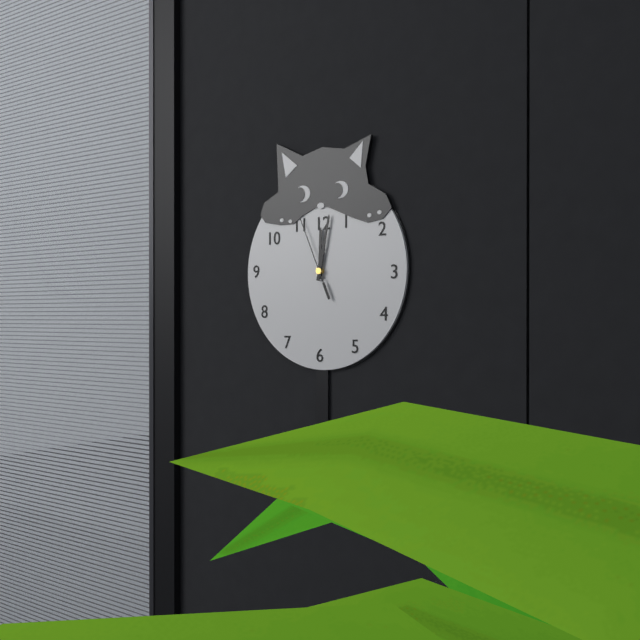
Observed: 12.02.56
